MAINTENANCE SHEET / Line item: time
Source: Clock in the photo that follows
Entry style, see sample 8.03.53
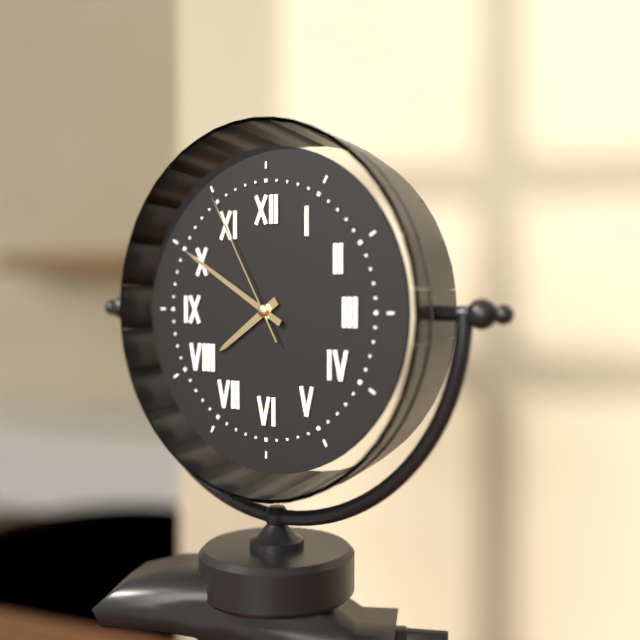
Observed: 7.50.55
